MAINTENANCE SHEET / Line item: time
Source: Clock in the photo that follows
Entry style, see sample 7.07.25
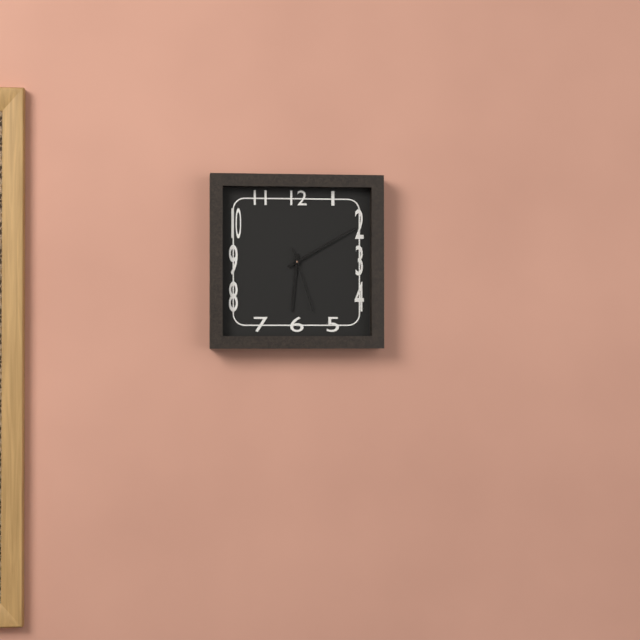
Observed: 6.10.27
